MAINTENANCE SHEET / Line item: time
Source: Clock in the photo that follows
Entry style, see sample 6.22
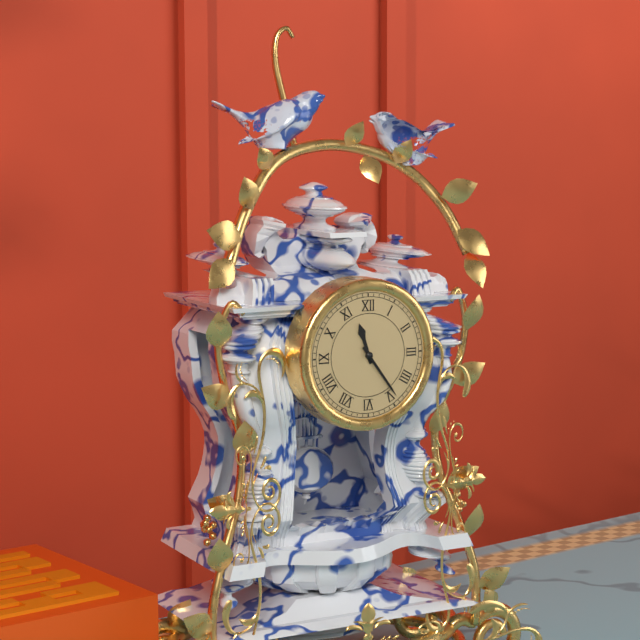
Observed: 11.24
